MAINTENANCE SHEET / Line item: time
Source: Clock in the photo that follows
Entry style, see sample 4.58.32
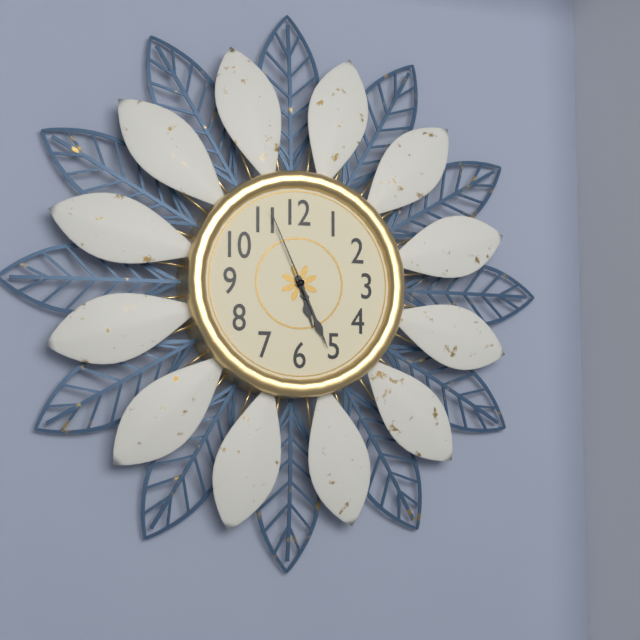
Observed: 5.26.56
